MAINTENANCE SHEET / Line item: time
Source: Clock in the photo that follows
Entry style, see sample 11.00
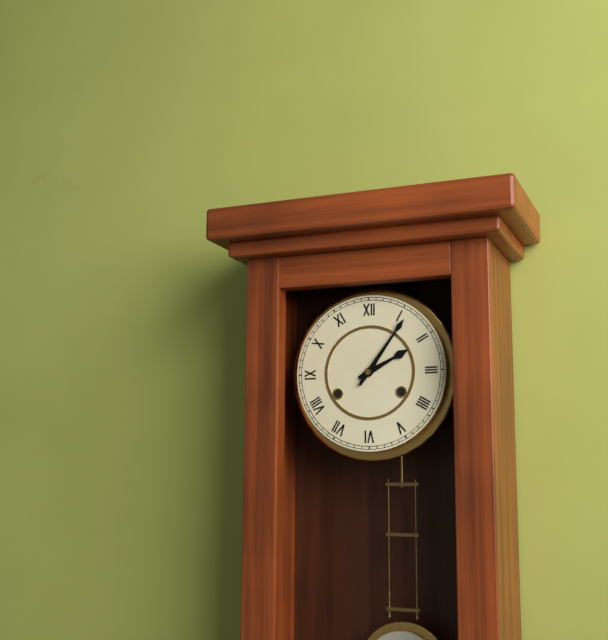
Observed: 2.06
